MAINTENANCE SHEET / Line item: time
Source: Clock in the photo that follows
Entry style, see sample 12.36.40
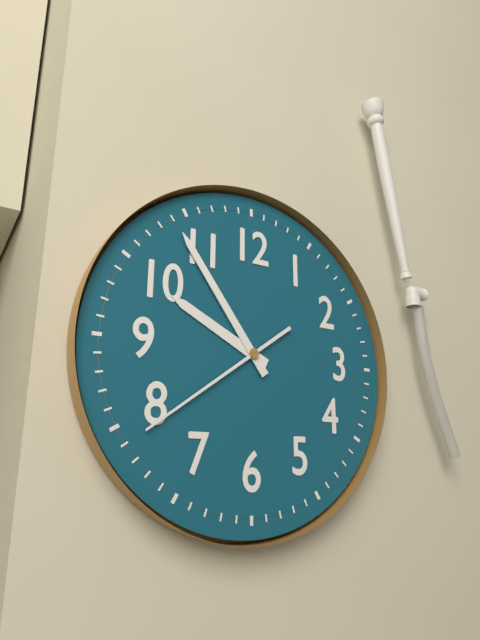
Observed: 9.54.39
